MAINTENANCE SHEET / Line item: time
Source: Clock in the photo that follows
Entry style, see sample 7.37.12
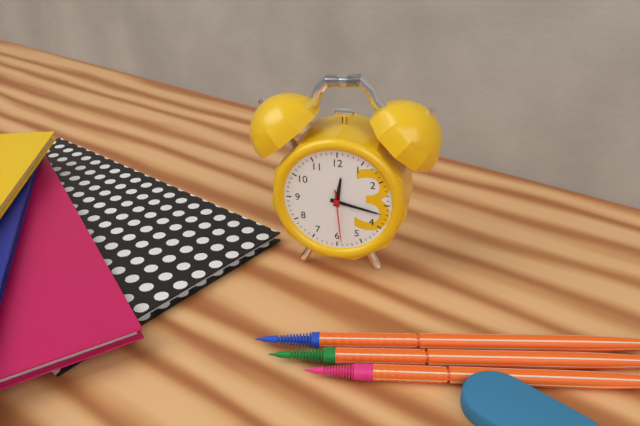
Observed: 12.17.29
